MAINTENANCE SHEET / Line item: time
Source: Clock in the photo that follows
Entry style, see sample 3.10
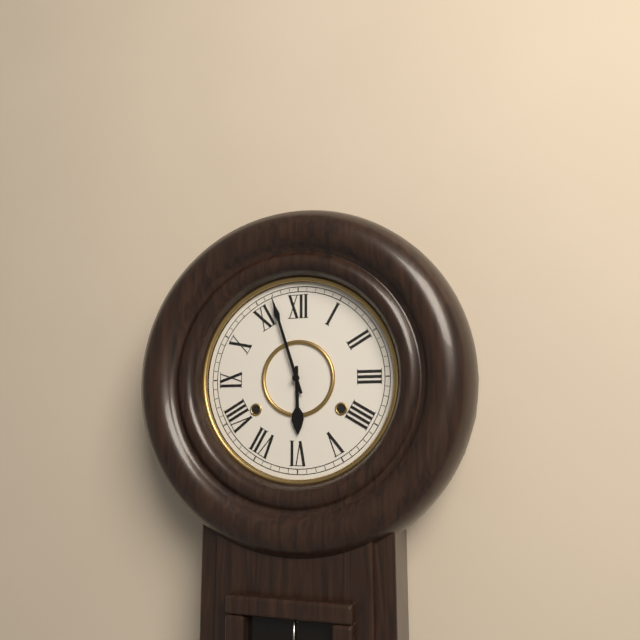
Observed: 5.57
